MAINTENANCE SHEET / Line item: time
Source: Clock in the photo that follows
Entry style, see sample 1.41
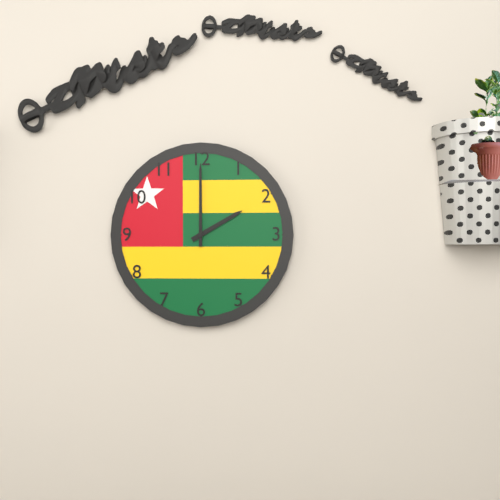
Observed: 2.00
